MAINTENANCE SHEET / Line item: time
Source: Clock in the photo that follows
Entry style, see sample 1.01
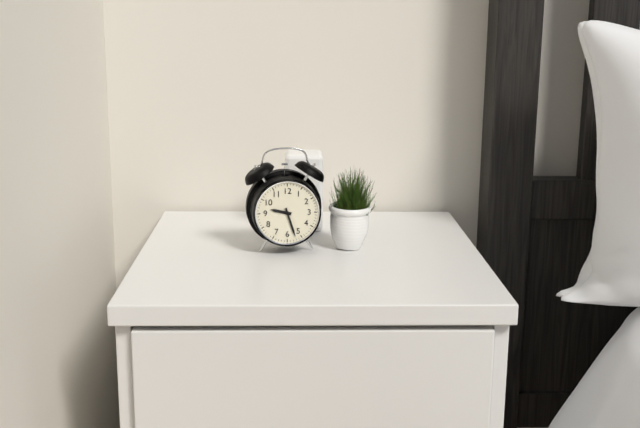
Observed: 9.27
